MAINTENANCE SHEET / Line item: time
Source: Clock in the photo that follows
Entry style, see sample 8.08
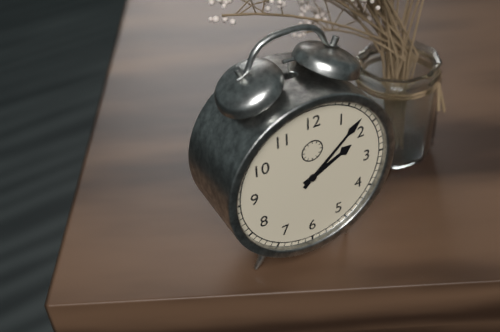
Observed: 2.08
